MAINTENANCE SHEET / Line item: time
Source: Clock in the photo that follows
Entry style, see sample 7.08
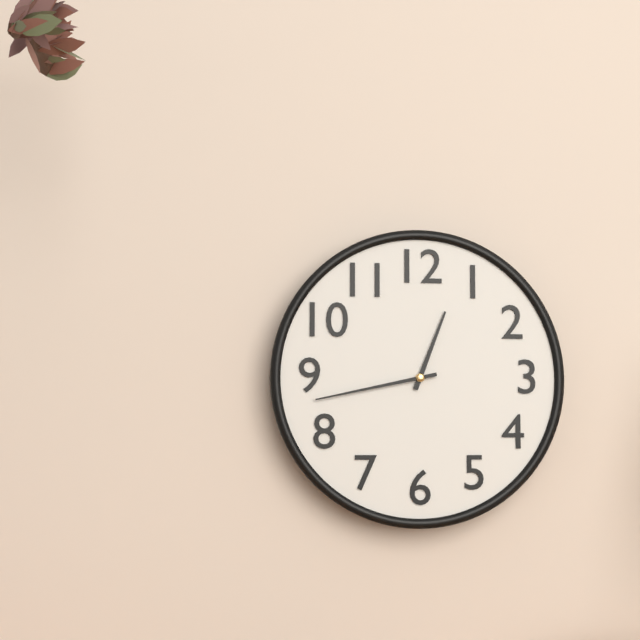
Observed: 12.43
